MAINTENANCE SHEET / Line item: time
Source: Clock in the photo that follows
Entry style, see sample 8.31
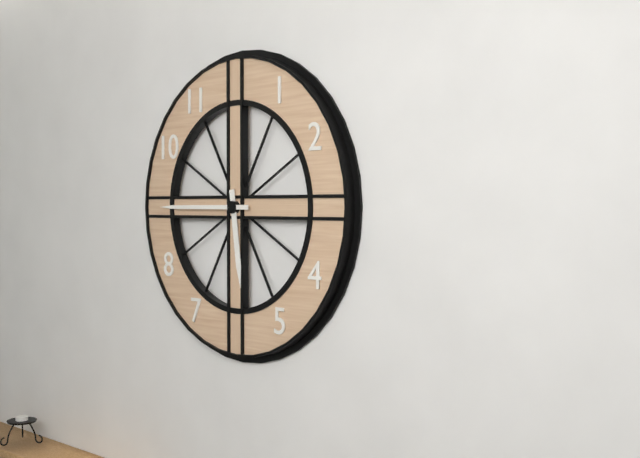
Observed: 5.45
